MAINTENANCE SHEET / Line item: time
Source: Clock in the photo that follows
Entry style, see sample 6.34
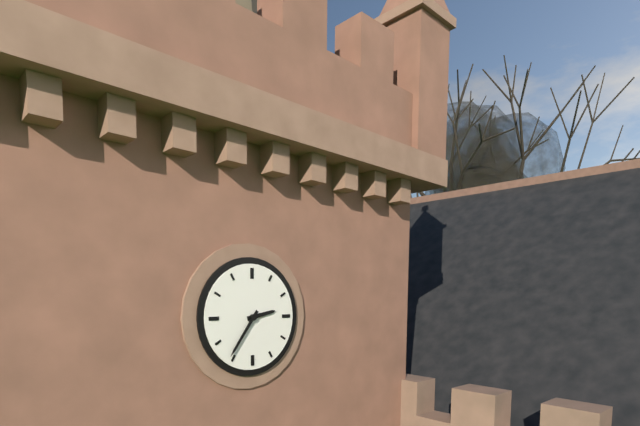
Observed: 2.36
